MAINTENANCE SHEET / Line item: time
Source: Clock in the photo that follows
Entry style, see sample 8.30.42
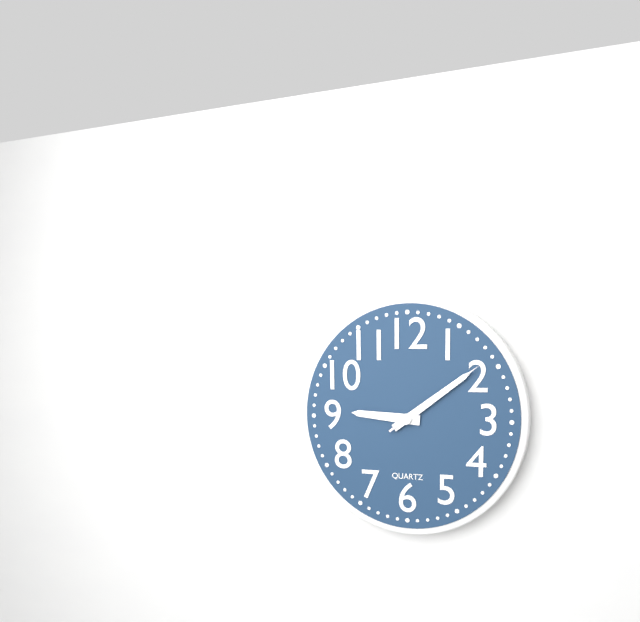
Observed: 9.09.09
